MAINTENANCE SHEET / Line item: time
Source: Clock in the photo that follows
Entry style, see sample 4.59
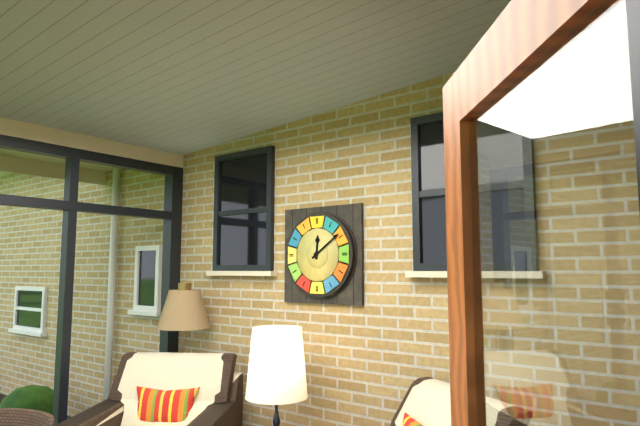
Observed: 12.09
